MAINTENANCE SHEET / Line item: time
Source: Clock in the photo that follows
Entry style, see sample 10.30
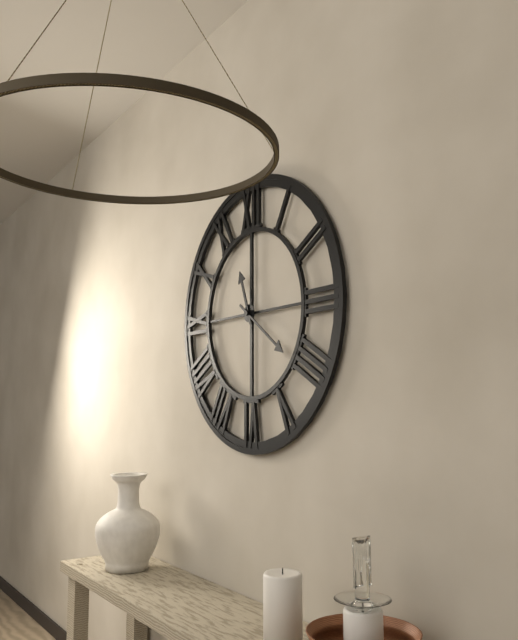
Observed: 11.21
